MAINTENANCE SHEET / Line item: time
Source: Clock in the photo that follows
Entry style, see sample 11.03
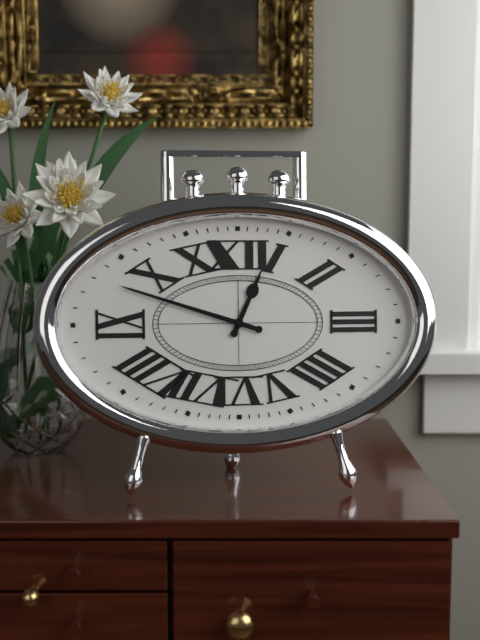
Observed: 12.48
